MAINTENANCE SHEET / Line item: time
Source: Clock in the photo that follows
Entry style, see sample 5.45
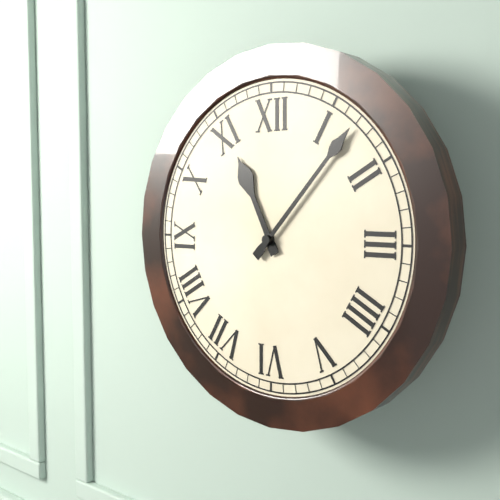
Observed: 11.07
